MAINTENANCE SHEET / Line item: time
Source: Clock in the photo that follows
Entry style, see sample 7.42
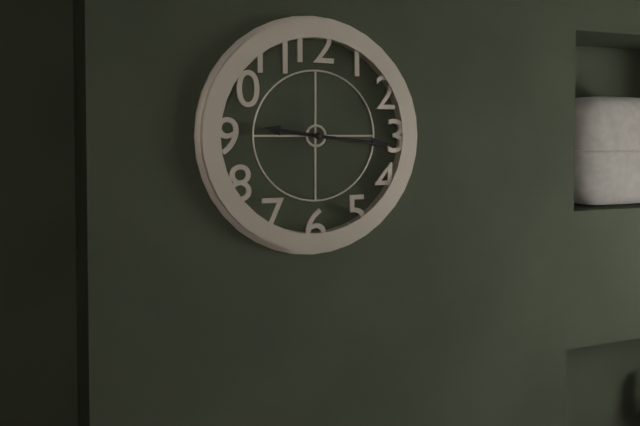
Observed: 9.16
